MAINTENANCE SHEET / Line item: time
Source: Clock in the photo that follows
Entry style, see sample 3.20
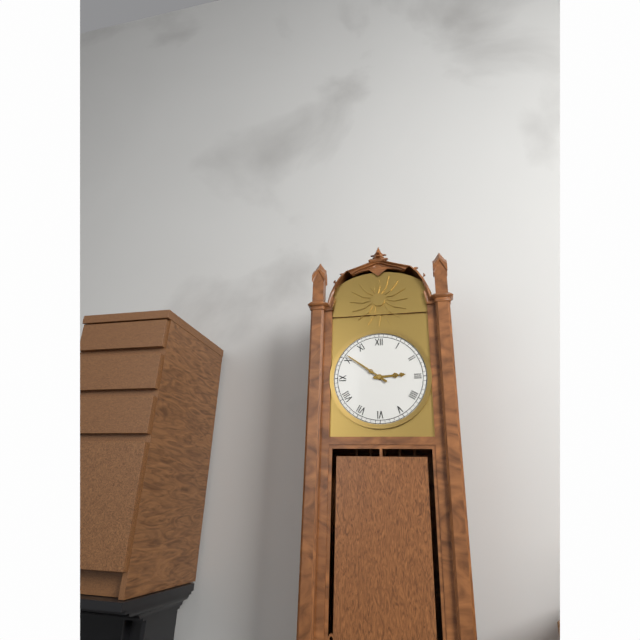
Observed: 2.51
